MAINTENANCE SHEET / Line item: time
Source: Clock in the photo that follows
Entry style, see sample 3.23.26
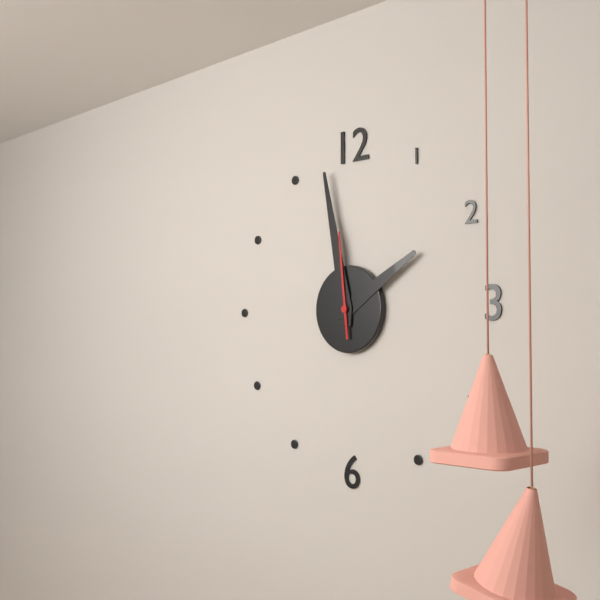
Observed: 1.58.59
